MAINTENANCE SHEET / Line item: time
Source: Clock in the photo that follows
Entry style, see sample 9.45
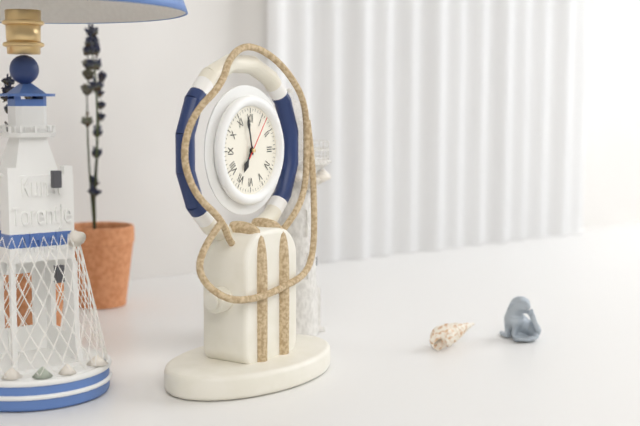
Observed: 6.58
